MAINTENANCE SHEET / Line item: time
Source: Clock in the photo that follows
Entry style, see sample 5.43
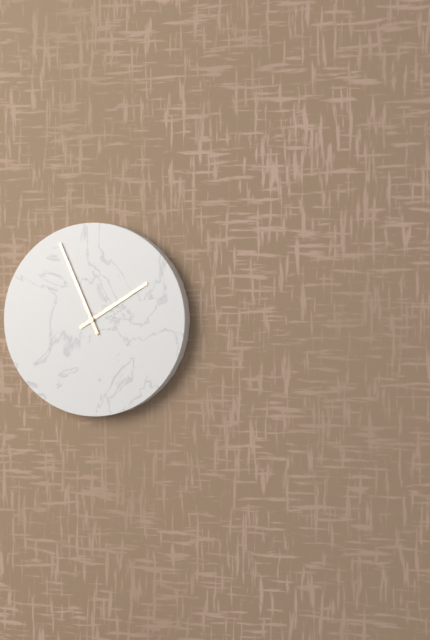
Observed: 1.56
